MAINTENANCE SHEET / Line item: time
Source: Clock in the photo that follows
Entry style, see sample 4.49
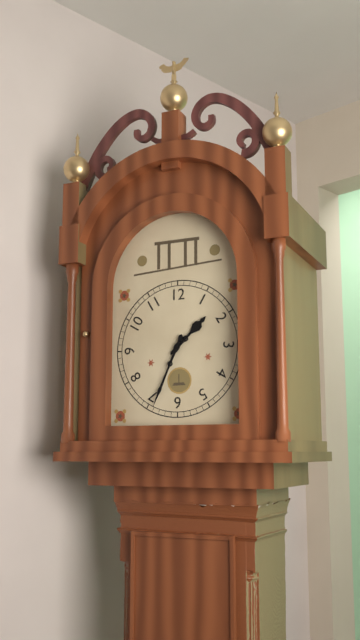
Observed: 1.34
